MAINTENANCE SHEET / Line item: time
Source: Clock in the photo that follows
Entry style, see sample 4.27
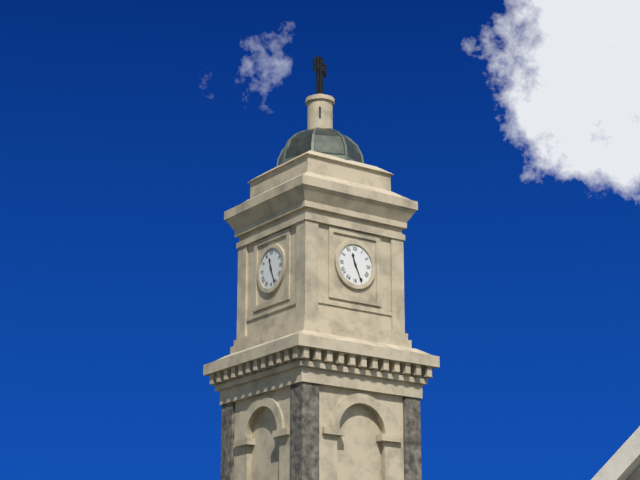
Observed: 11.26
